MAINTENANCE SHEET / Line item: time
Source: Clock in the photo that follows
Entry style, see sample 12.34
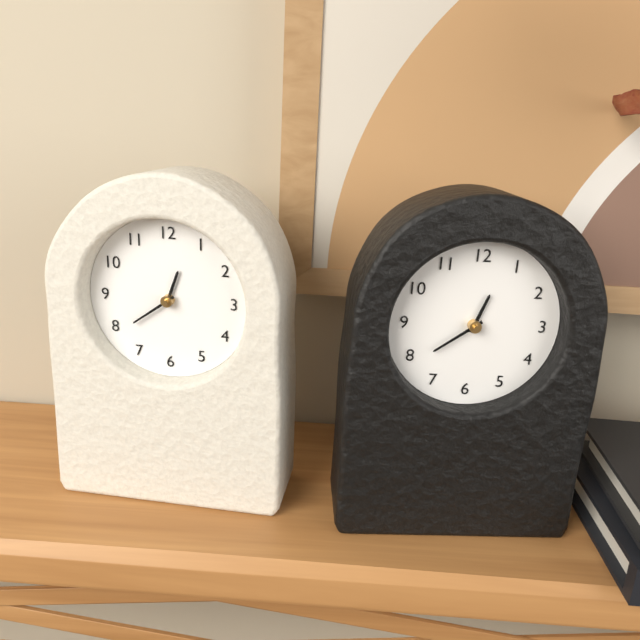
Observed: 12.39
